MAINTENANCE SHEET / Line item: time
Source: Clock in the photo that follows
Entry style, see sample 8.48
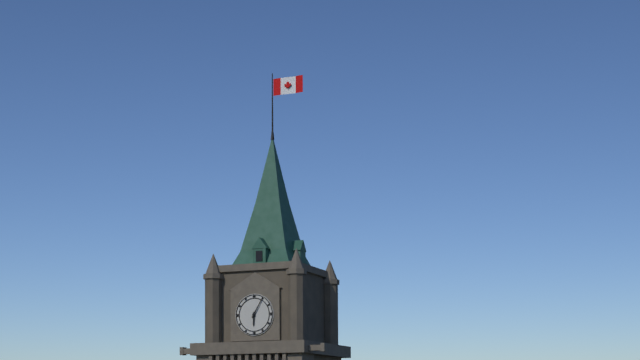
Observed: 6.05
